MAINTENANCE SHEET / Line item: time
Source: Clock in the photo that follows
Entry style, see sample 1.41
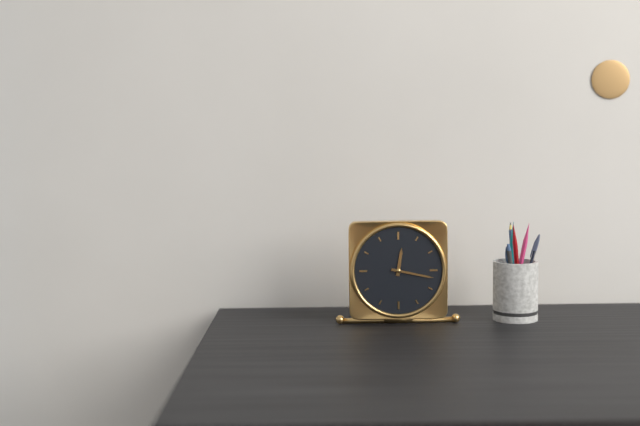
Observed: 12.17
